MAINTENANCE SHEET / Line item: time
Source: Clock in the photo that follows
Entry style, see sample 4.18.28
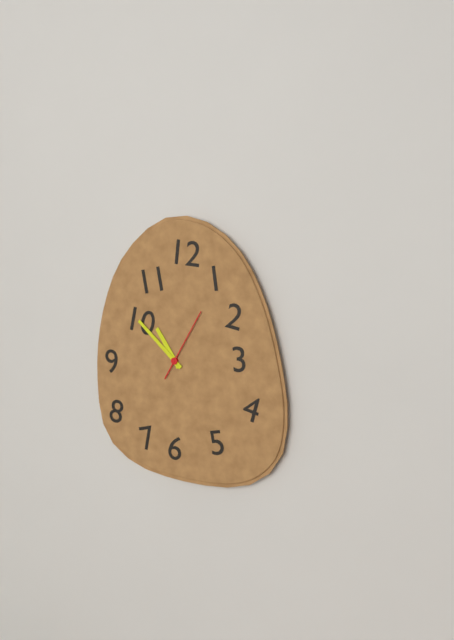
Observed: 10.52.05
